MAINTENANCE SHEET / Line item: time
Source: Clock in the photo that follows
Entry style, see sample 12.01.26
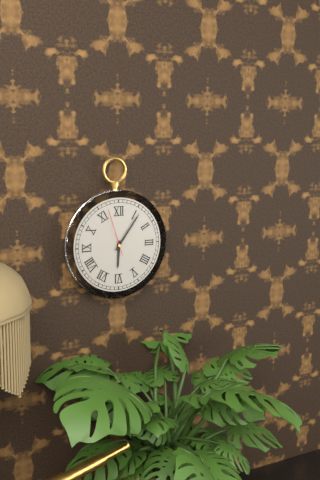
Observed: 6.06.57
